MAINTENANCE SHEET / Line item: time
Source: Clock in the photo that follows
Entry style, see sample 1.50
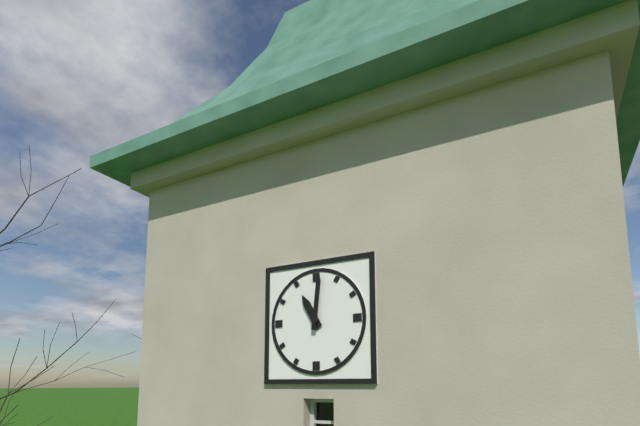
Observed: 11.01
